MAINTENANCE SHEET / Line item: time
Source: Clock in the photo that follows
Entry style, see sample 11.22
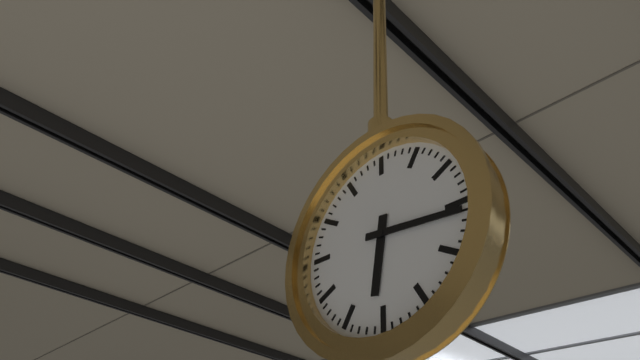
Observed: 6.16
